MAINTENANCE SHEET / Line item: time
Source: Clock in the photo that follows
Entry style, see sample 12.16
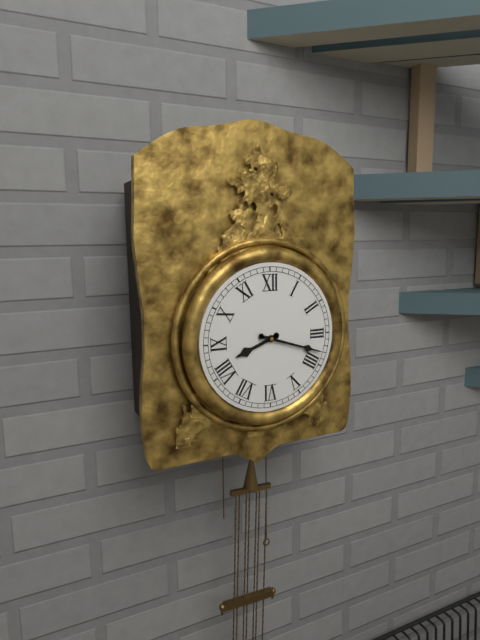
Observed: 8.18
